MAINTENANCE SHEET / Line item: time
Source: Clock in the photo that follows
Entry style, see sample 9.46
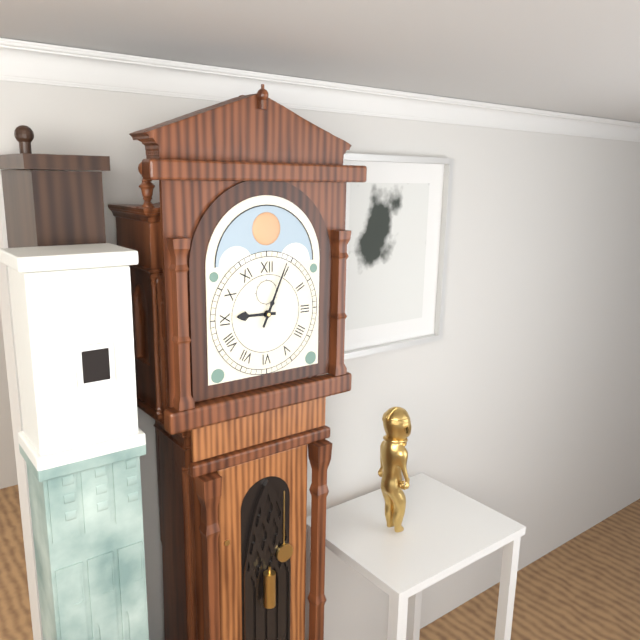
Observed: 9.04
